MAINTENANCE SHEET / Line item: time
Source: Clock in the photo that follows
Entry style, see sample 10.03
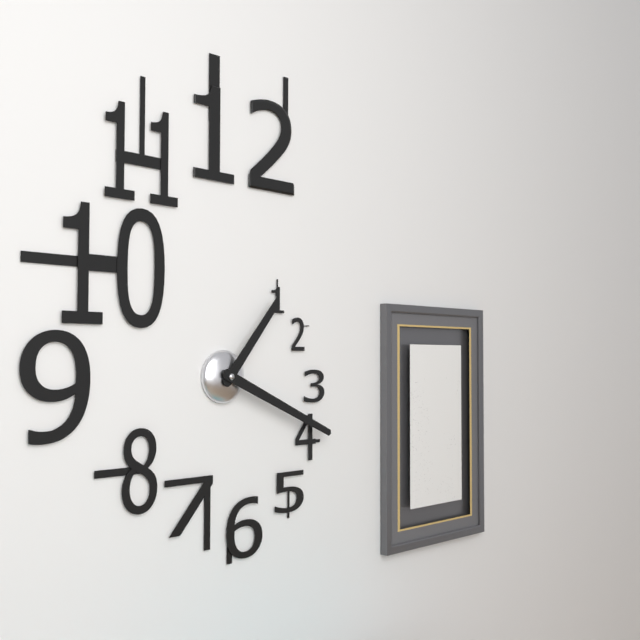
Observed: 1.19
